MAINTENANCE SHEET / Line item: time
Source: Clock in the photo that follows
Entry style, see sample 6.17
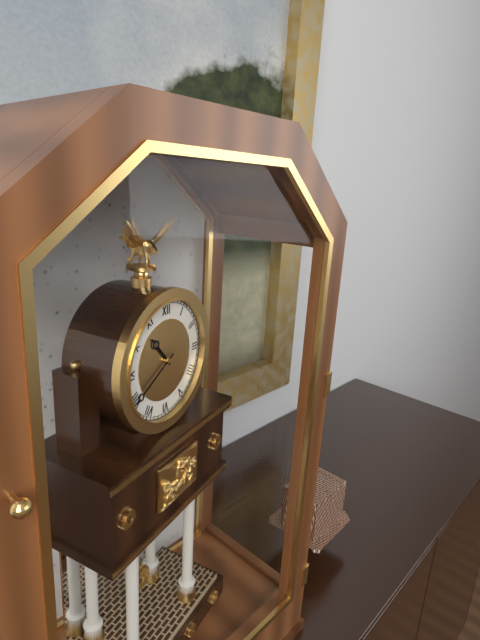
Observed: 10.40
